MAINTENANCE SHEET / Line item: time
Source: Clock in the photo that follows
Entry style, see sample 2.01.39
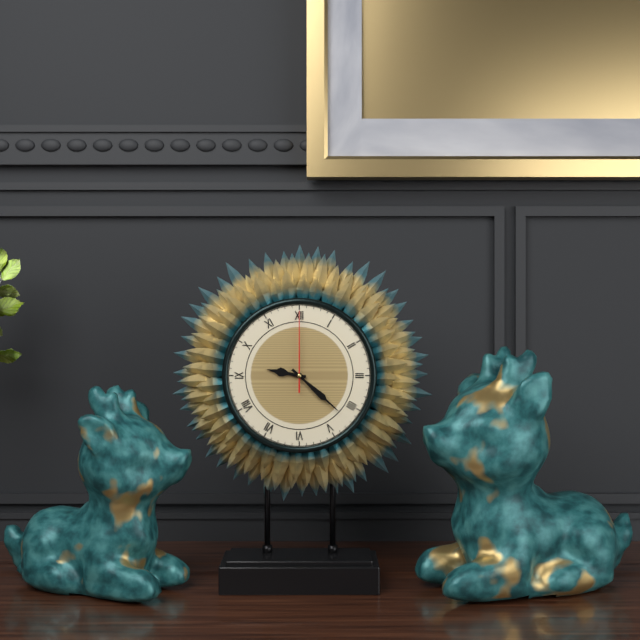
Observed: 9.22.00
